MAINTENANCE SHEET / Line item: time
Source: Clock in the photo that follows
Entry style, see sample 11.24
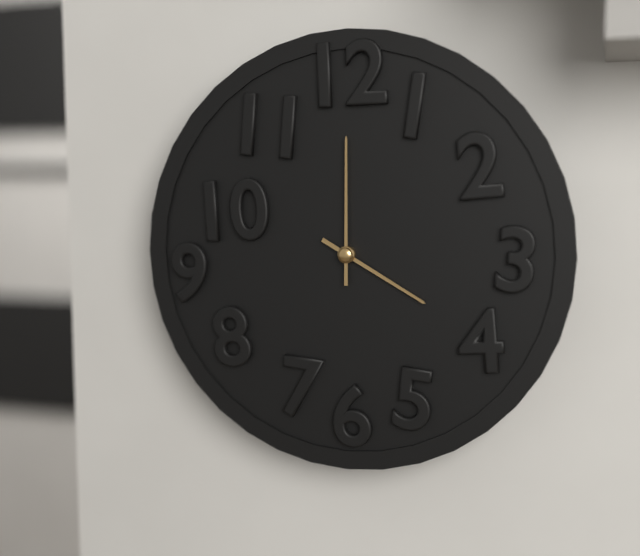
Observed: 4.00
